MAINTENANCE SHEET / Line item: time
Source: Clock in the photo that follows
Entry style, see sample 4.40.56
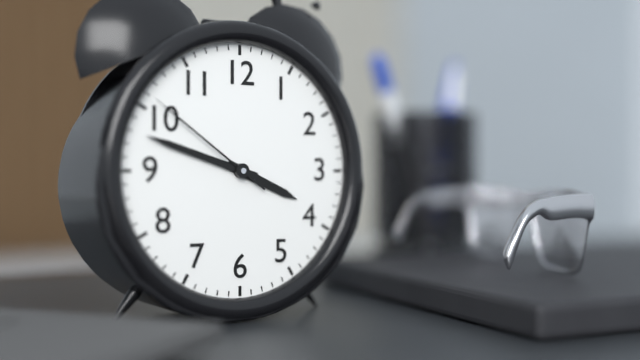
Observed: 3.48.51
